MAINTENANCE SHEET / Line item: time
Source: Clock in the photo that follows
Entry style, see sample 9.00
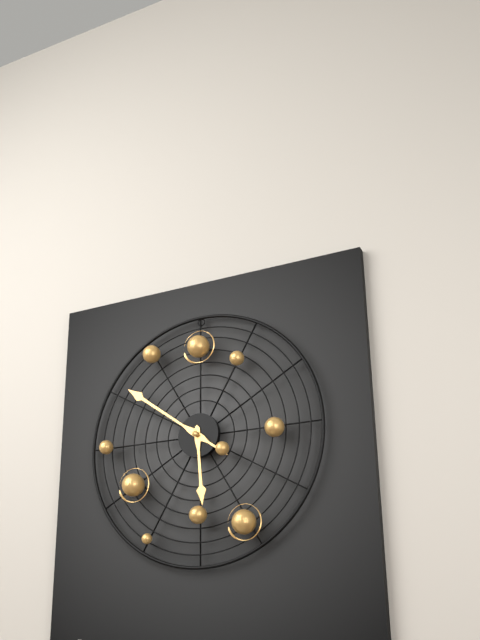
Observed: 5.51
